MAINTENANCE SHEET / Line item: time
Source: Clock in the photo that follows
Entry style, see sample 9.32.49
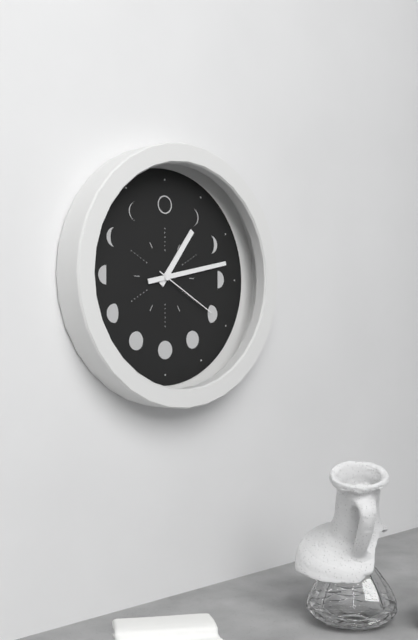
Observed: 1.13.20
